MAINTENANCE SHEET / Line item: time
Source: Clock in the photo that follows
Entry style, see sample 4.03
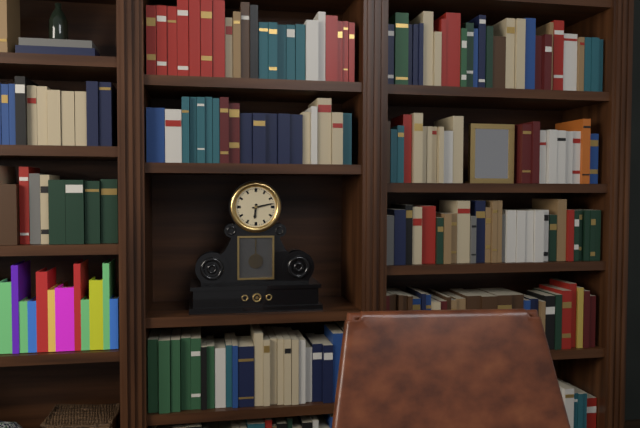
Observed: 6.13
